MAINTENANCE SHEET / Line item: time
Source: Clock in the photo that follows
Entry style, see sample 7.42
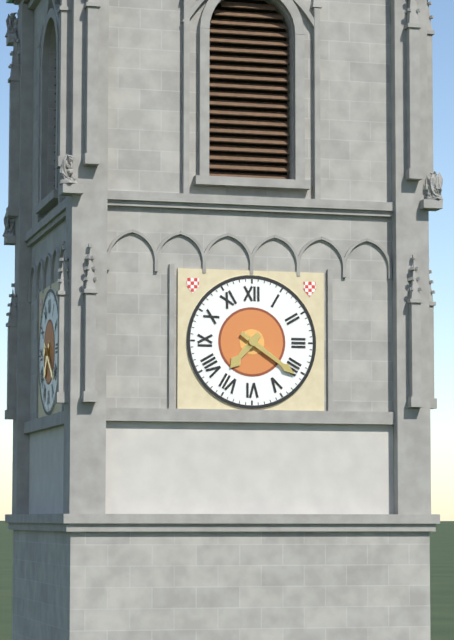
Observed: 7.21
